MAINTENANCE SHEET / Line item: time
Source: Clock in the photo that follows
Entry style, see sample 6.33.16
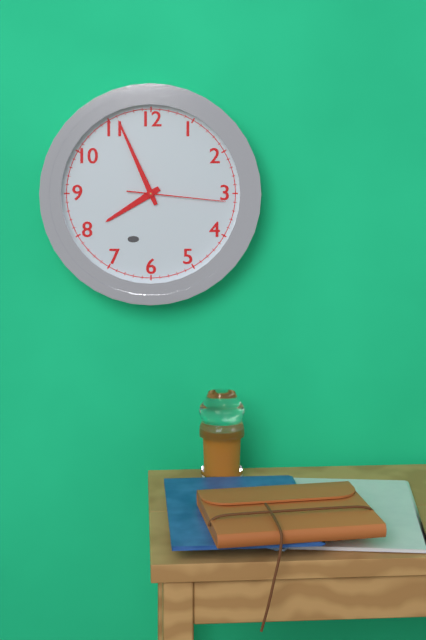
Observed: 7.56.16
